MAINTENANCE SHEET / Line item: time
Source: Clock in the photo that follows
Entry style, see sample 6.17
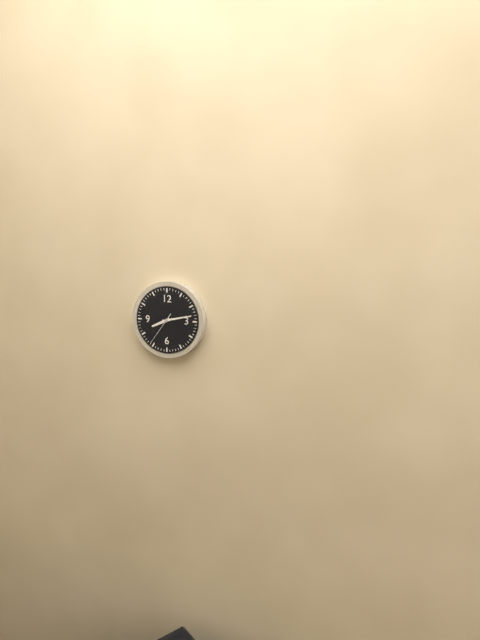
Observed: 8.13
